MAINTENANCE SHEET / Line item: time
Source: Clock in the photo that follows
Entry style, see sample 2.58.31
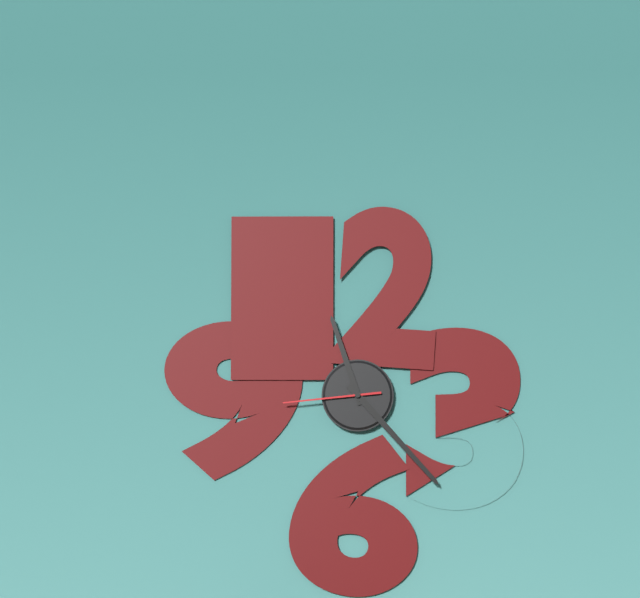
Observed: 11.23.44
